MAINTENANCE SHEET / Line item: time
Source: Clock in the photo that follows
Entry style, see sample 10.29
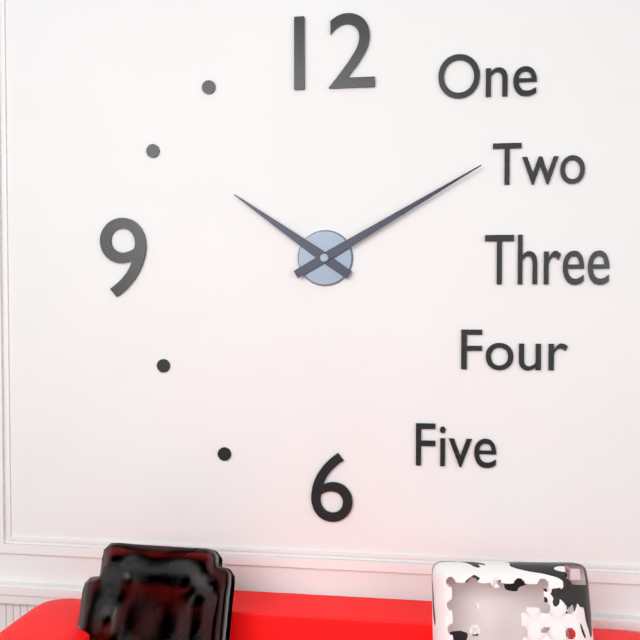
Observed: 10.10
